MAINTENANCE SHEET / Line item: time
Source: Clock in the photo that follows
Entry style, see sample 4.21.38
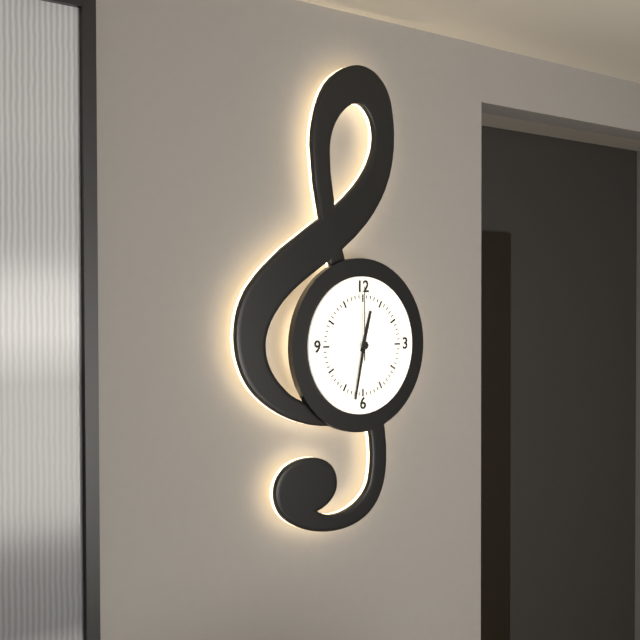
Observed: 12.32.00
